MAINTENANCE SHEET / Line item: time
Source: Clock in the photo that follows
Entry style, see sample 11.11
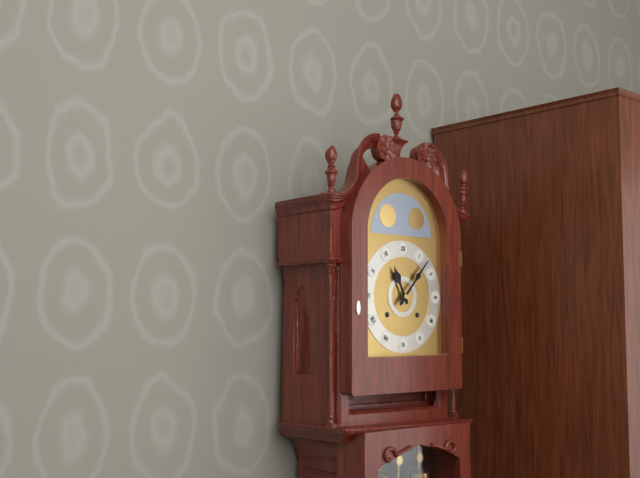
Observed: 11.07
